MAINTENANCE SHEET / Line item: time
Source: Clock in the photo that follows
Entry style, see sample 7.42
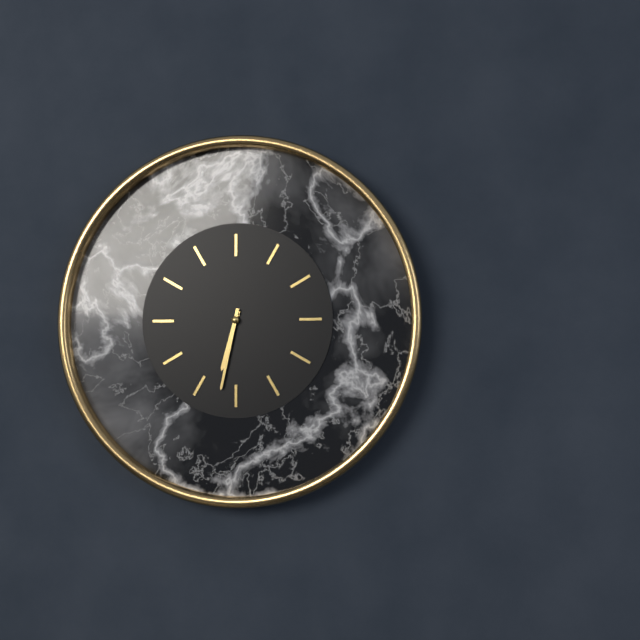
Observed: 6.32
